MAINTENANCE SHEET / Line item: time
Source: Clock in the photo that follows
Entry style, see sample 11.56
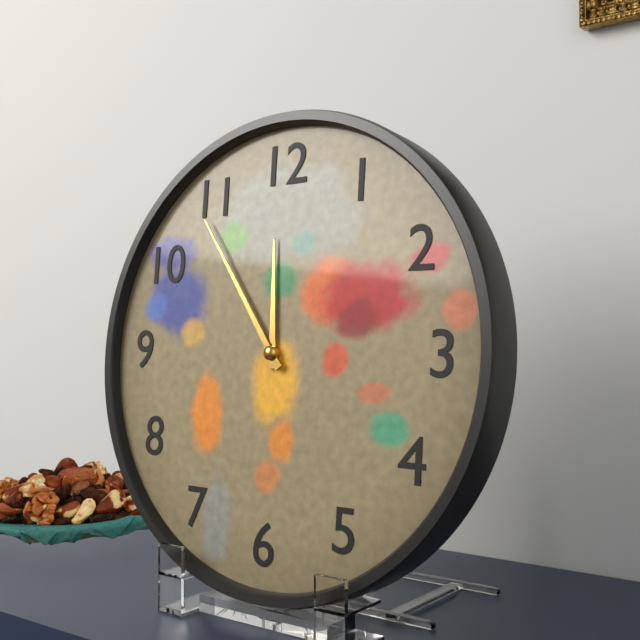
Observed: 11.54
